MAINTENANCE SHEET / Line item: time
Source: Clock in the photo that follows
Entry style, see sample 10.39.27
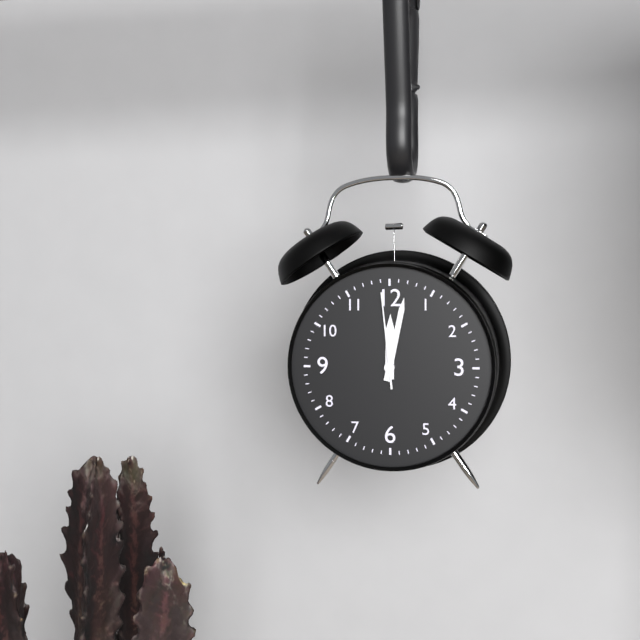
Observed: 12.02.59
